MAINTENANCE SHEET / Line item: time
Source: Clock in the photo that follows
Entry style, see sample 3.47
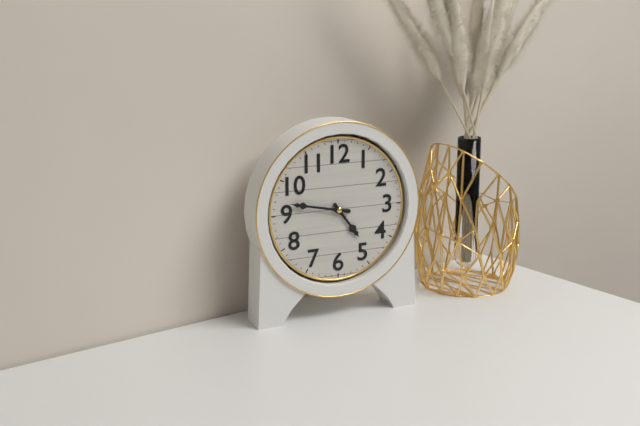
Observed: 4.47
